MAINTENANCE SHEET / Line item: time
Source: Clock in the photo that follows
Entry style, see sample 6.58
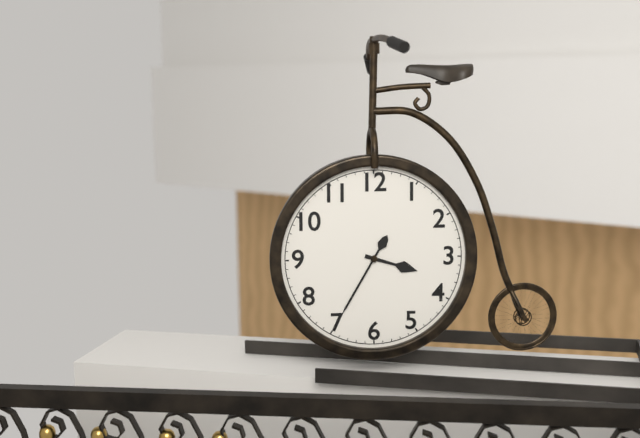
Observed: 3.35
